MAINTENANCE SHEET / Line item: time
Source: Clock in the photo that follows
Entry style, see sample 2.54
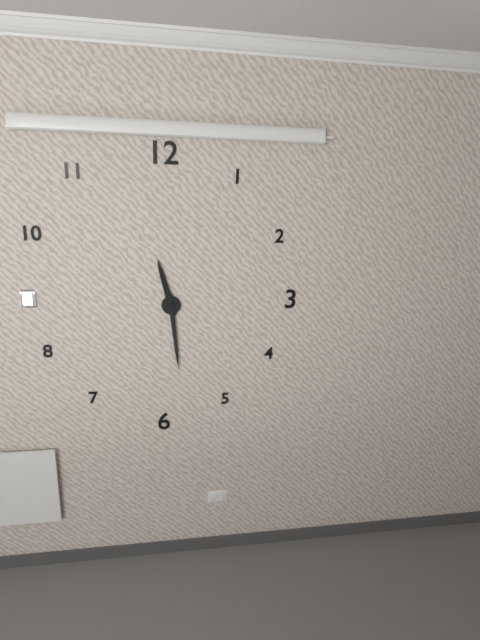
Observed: 11.29
